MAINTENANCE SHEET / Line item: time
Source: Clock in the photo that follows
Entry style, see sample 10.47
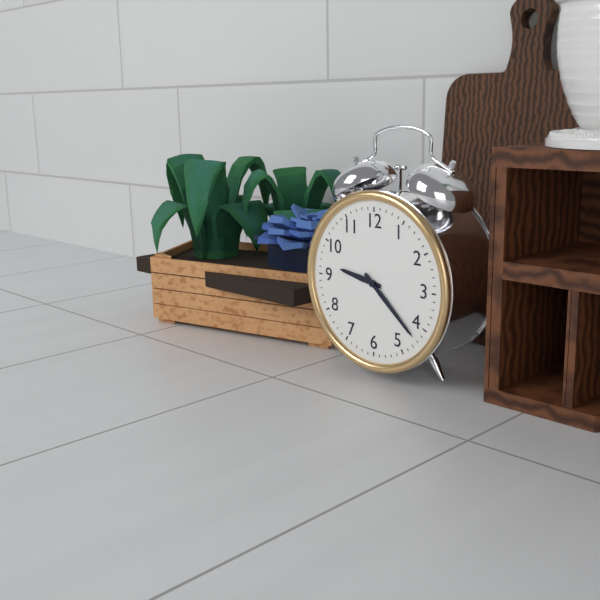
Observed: 9.22
